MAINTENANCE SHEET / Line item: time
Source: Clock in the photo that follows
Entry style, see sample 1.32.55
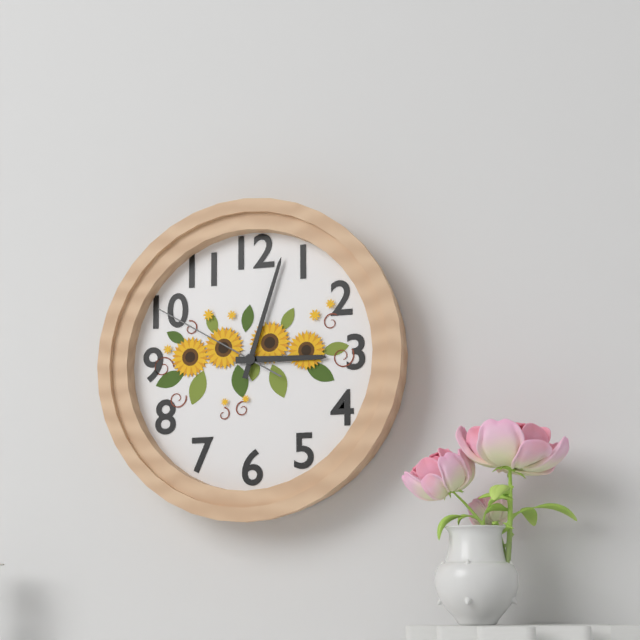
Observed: 3.03.50
